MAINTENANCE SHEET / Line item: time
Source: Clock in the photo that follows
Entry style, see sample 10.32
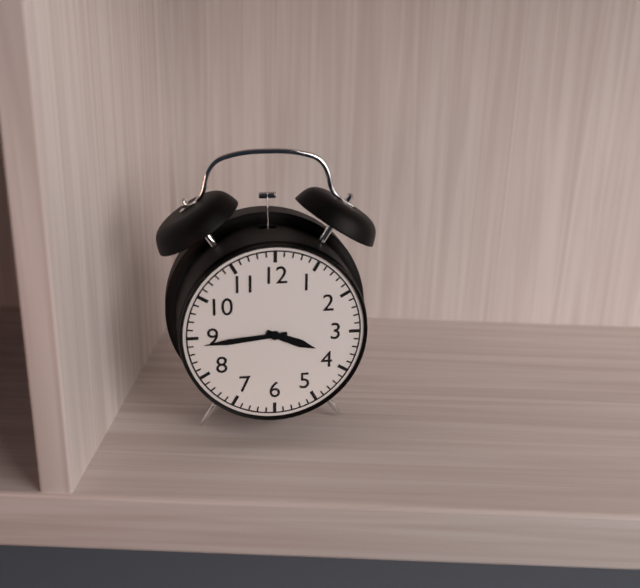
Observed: 3.44
